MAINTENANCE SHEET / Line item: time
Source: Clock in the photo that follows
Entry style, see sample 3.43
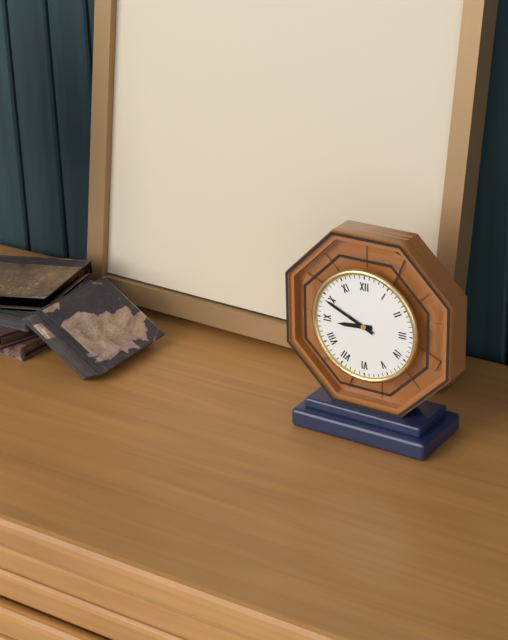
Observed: 8.49
